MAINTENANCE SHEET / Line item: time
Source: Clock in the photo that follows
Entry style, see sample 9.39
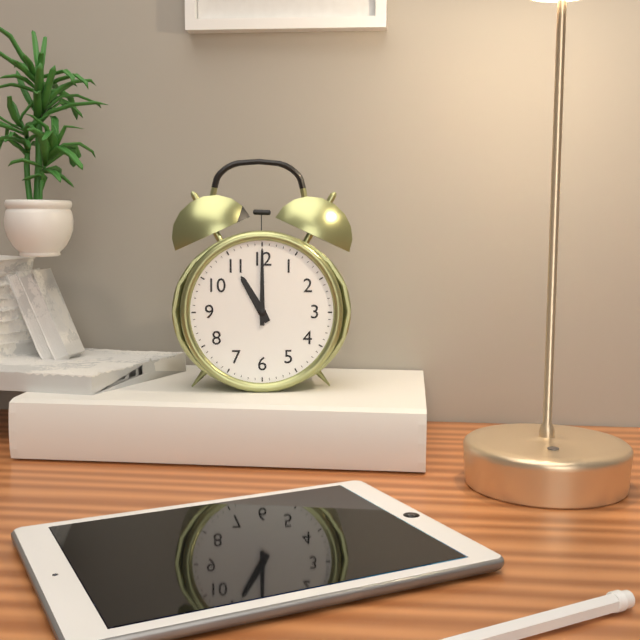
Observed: 11.00
